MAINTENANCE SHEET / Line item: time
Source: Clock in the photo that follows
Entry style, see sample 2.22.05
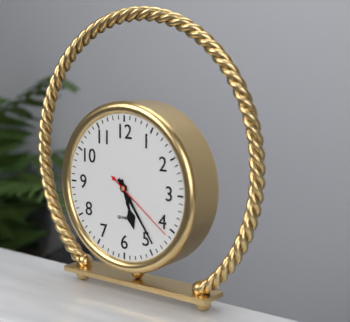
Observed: 5.24.21
